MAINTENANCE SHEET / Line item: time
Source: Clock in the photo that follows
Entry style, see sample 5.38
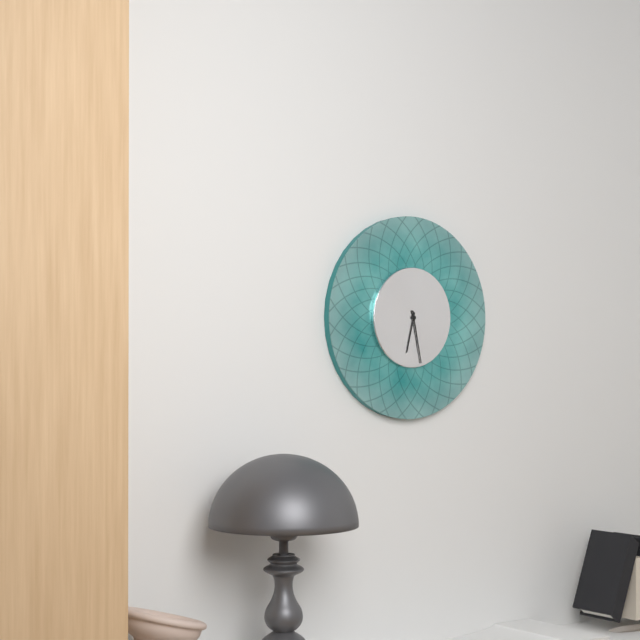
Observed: 6.28
